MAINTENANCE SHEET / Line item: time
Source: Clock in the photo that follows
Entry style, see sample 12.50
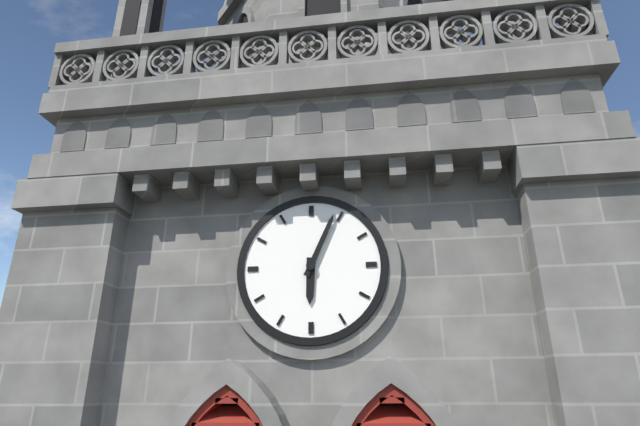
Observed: 6.04
